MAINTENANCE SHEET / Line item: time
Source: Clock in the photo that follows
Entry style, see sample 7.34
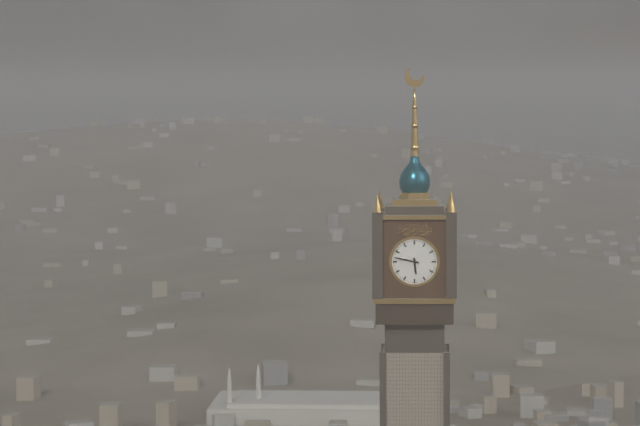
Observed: 5.47
